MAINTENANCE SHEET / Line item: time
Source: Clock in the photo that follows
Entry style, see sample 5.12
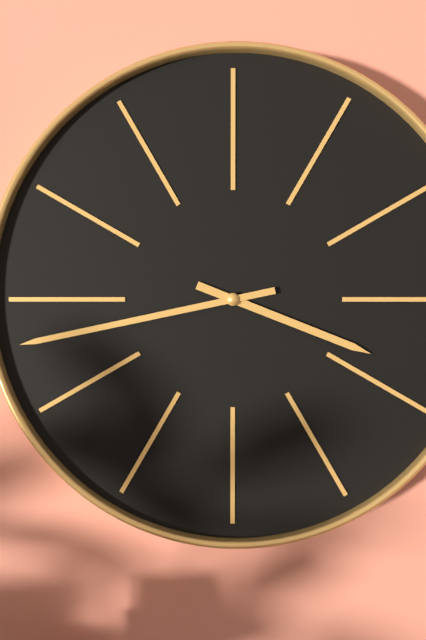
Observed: 3.43
